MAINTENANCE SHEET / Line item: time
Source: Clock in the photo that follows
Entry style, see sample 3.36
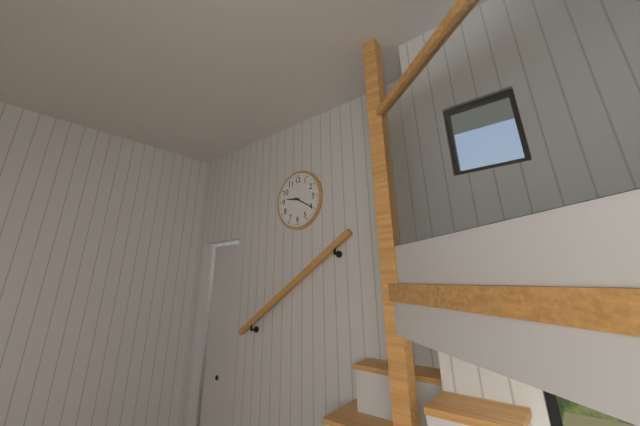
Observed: 9.20
